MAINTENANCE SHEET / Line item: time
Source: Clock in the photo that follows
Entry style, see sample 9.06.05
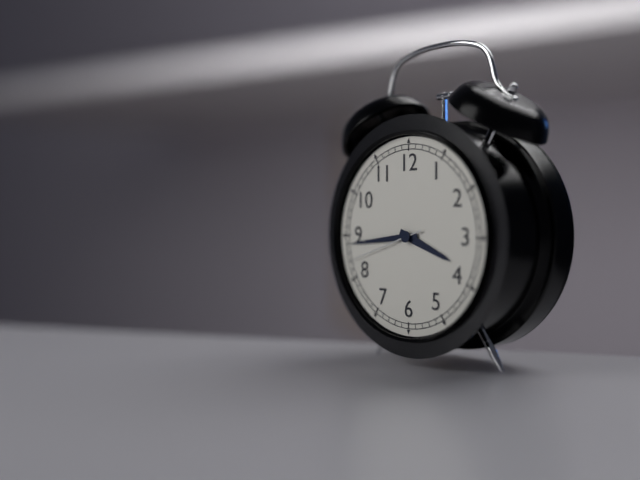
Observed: 3.44.42
